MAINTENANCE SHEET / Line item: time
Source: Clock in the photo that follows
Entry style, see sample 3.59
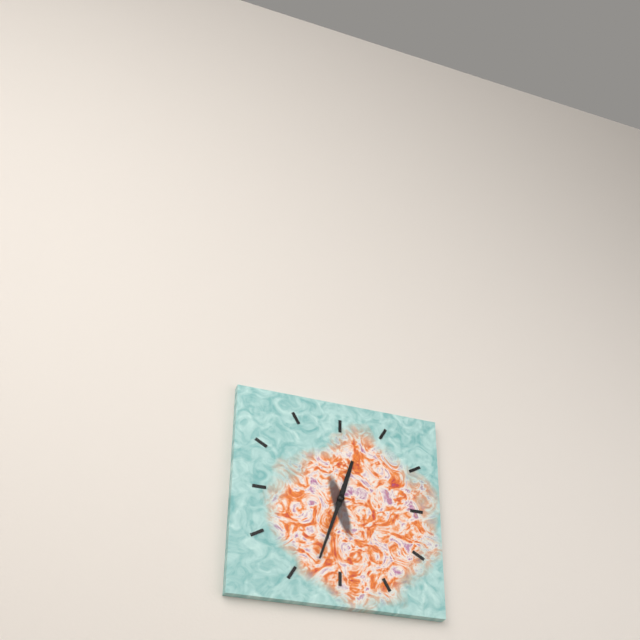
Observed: 12.33
